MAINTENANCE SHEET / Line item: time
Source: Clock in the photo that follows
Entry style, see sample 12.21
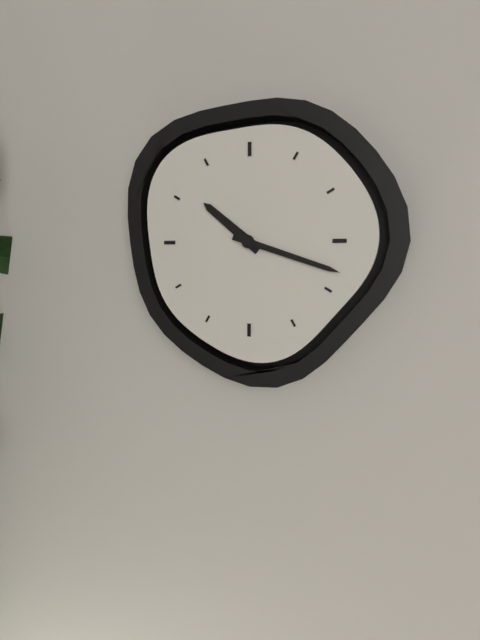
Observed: 10.18
